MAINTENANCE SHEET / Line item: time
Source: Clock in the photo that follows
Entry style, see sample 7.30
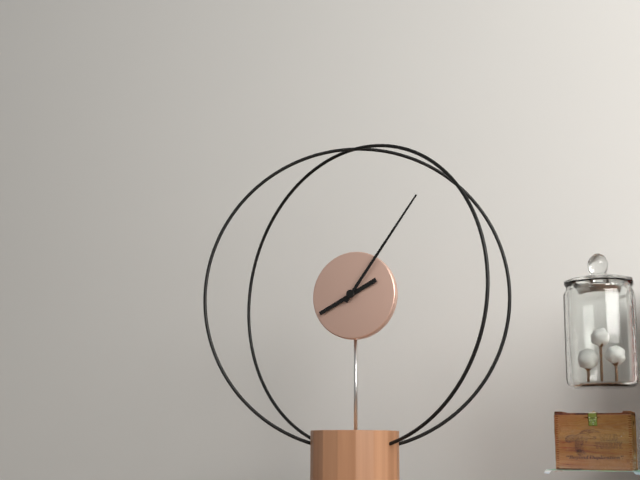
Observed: 8.06
